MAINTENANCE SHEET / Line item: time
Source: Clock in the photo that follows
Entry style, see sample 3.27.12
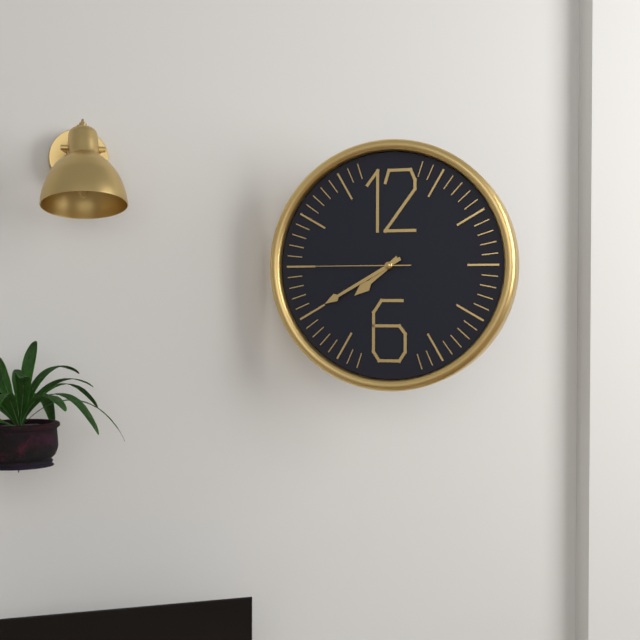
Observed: 7.40.45
